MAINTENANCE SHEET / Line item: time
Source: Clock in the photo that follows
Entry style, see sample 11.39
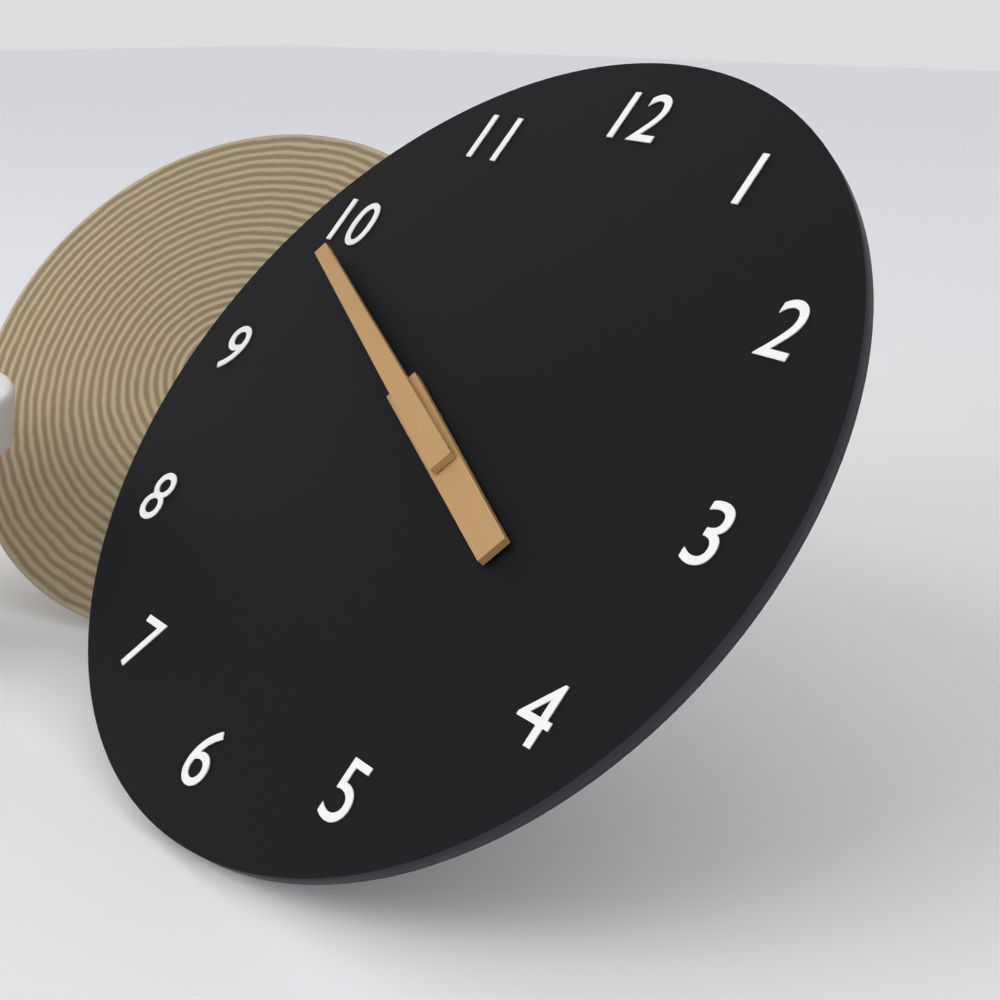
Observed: 3.49
